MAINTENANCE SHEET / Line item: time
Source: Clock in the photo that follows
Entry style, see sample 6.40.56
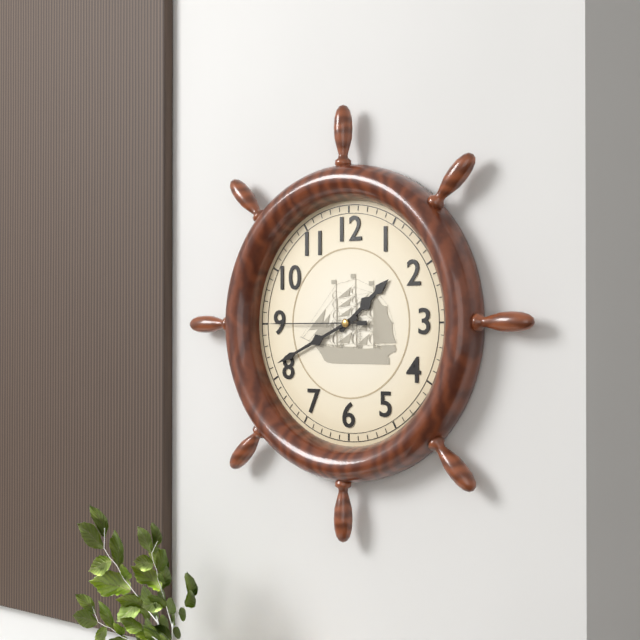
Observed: 1.41.45
